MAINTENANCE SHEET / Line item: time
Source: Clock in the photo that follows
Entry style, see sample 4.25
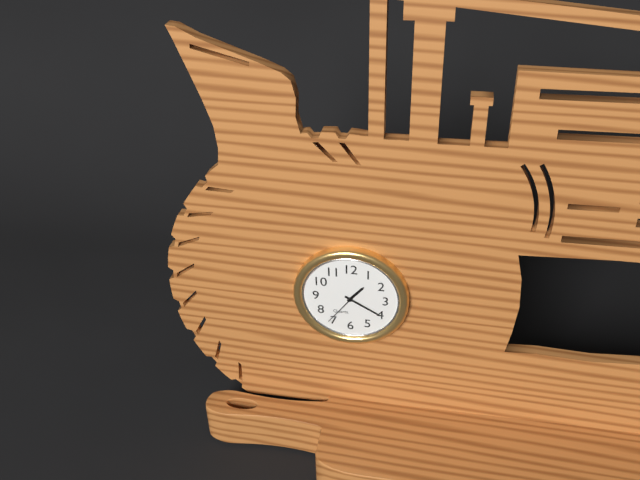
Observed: 1.20
